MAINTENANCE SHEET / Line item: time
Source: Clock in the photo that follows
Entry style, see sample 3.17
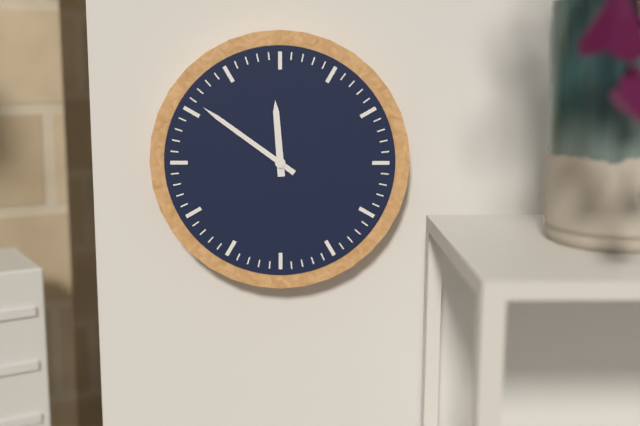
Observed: 11.51
